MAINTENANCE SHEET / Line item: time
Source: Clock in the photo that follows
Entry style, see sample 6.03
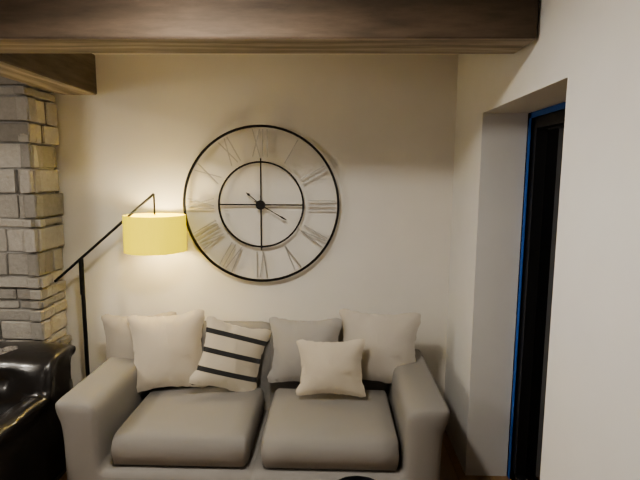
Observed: 10.20
